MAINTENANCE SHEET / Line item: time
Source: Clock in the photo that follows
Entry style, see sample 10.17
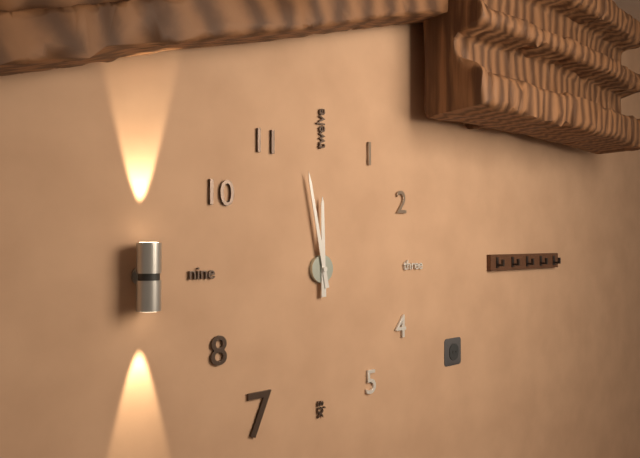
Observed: 11.58
